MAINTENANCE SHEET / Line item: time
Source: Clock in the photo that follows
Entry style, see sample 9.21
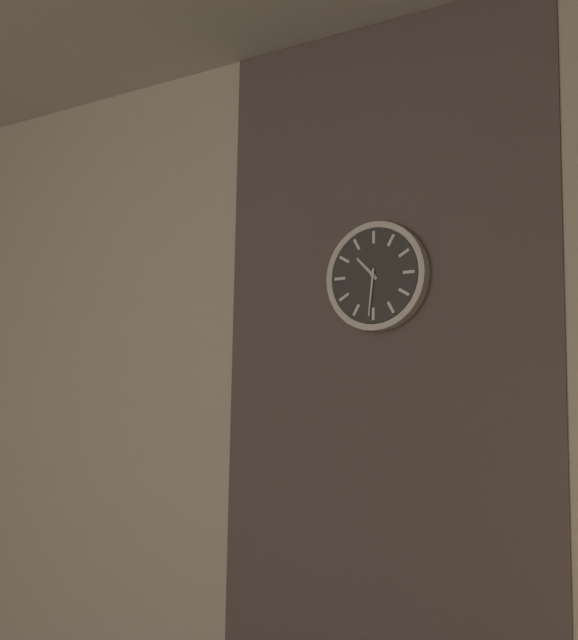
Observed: 10.31
